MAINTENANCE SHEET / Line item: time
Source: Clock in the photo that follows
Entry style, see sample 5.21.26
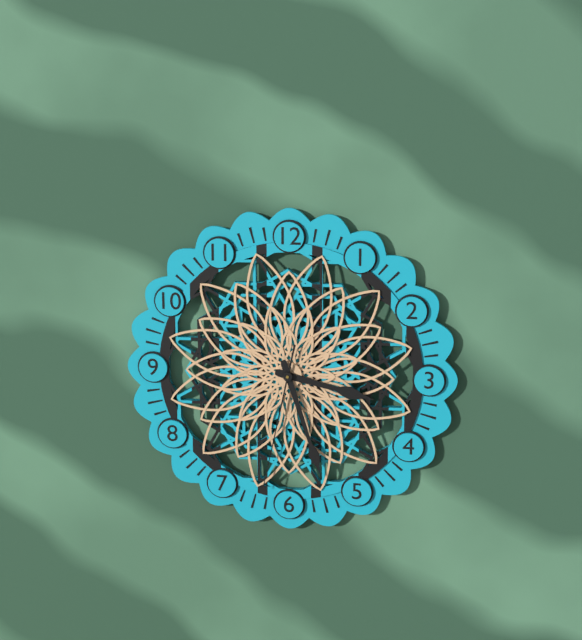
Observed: 3.27.32
